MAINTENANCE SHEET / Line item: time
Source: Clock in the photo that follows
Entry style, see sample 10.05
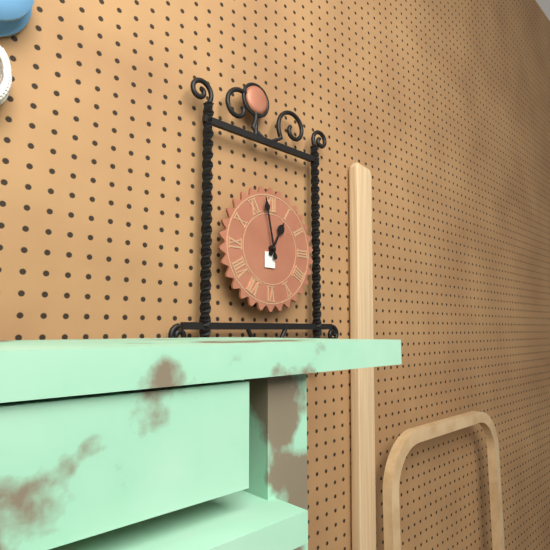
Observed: 12.58
